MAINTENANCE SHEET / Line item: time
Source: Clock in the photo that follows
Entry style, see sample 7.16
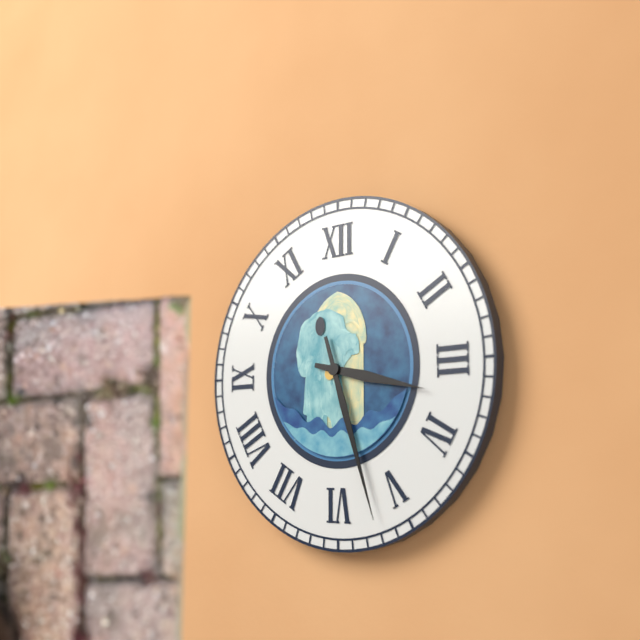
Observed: 3.27
